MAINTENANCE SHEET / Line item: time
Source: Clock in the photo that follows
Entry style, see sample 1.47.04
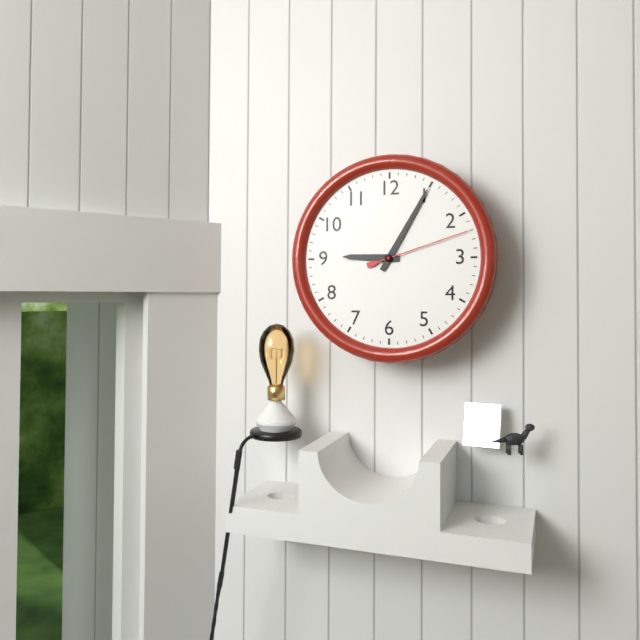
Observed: 9.05.12
